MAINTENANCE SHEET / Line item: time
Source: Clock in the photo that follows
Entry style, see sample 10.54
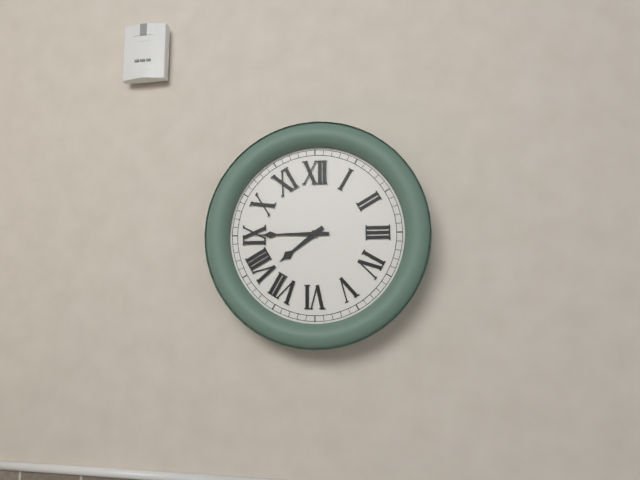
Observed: 7.45
